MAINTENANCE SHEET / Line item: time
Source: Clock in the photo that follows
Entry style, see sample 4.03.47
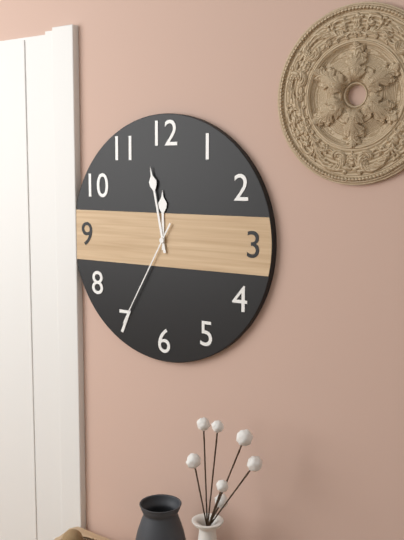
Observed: 11.58.35
